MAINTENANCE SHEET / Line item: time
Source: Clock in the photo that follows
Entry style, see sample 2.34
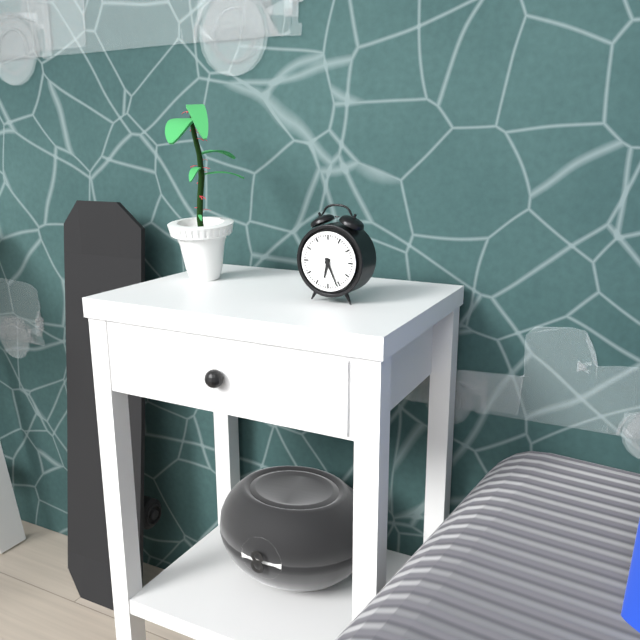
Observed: 6.26
